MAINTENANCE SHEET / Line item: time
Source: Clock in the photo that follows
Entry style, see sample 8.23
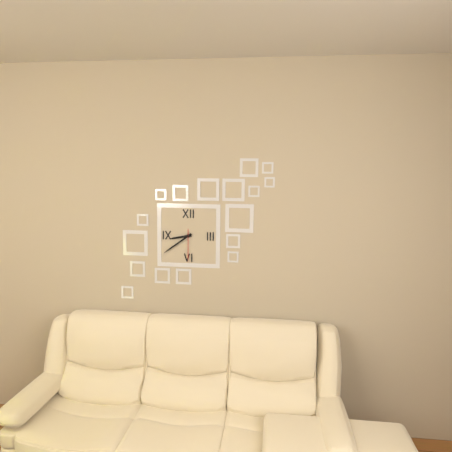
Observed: 8.39
